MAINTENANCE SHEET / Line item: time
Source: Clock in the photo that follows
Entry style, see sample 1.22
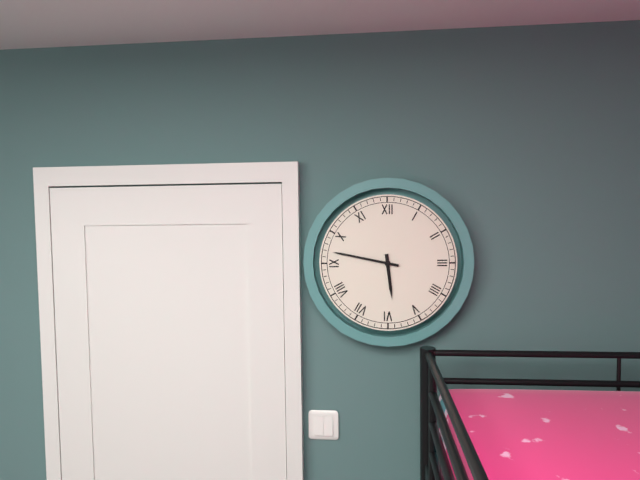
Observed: 5.47
